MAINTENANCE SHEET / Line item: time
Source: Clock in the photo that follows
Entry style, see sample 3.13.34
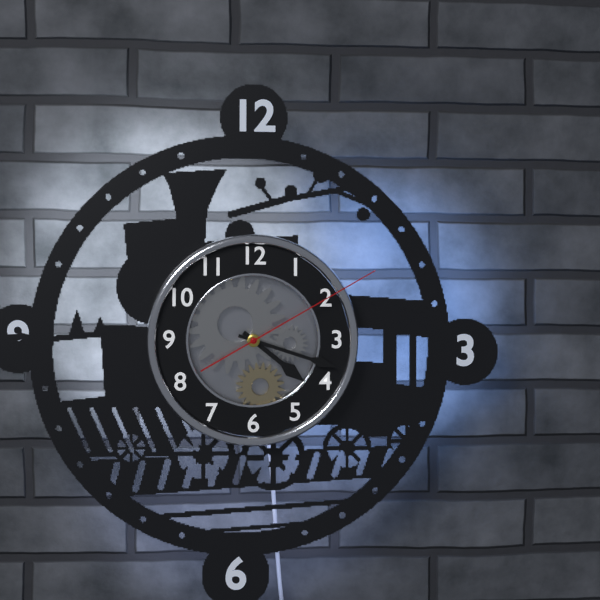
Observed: 4.18.10
